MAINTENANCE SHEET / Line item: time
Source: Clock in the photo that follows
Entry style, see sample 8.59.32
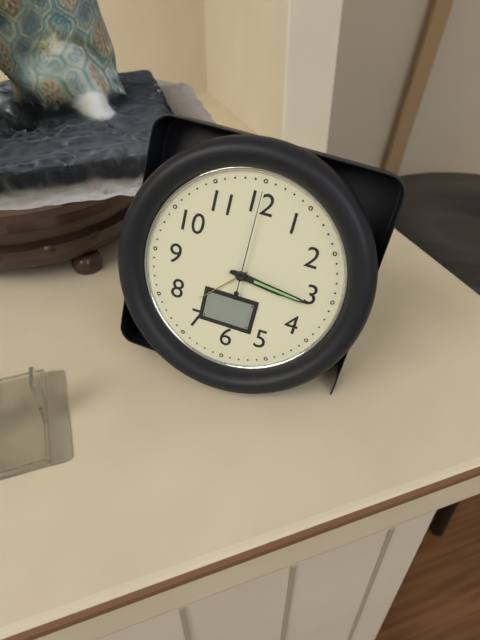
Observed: 3.16.00
